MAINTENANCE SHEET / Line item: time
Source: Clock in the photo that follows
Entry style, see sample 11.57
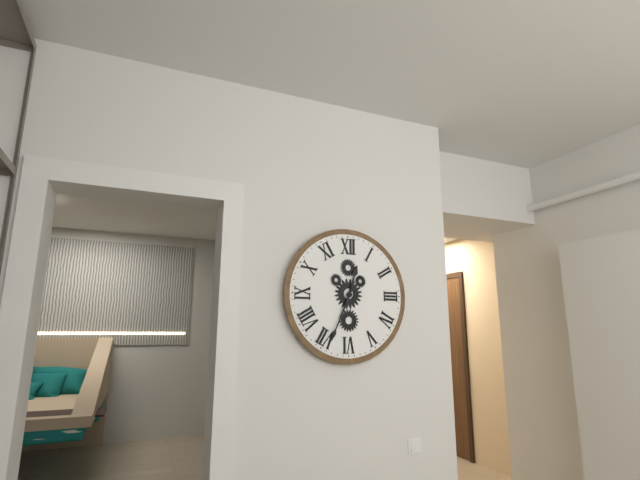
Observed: 12.34
